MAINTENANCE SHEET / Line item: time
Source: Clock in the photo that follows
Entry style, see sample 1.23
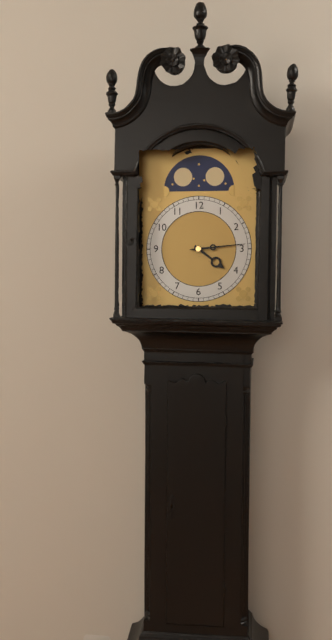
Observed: 4.14
